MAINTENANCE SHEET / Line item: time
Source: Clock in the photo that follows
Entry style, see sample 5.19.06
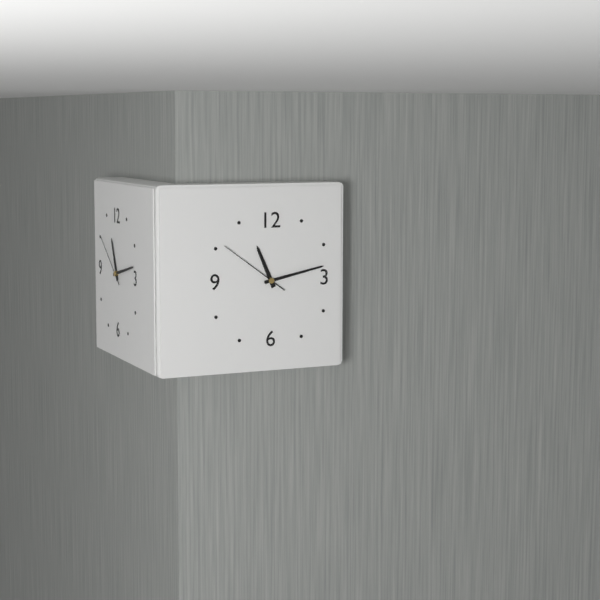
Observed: 11.13.51
